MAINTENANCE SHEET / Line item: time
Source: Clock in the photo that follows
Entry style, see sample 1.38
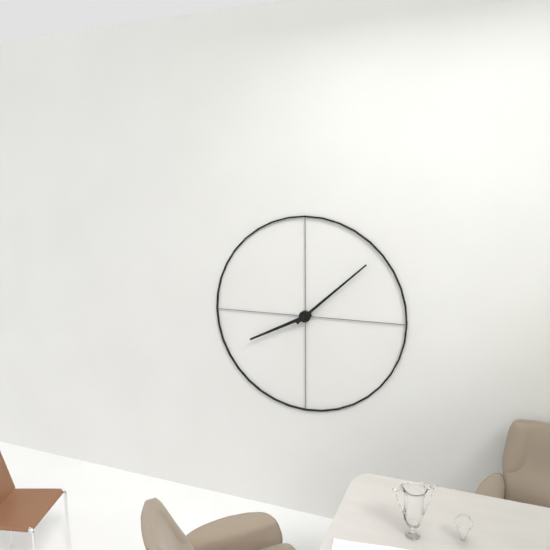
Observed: 8.08
